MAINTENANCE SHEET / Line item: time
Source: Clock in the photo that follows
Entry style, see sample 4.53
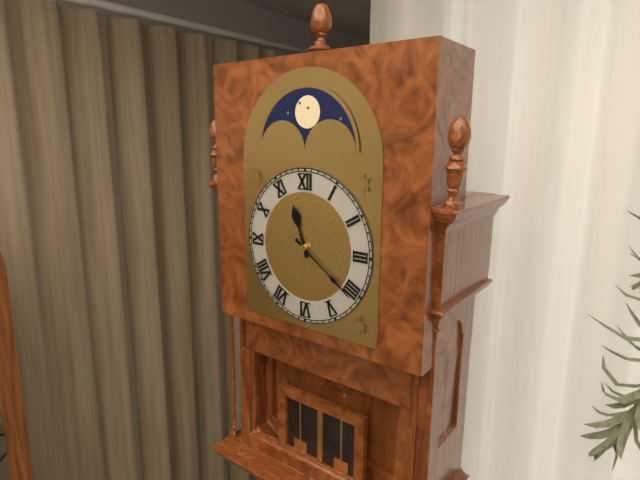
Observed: 11.21
